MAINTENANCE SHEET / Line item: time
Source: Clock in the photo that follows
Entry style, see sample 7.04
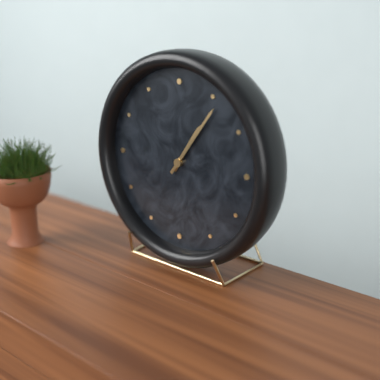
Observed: 1.06
